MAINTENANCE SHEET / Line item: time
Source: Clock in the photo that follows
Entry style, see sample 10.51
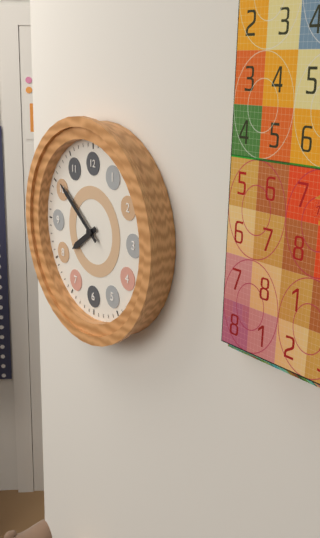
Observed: 7.51
